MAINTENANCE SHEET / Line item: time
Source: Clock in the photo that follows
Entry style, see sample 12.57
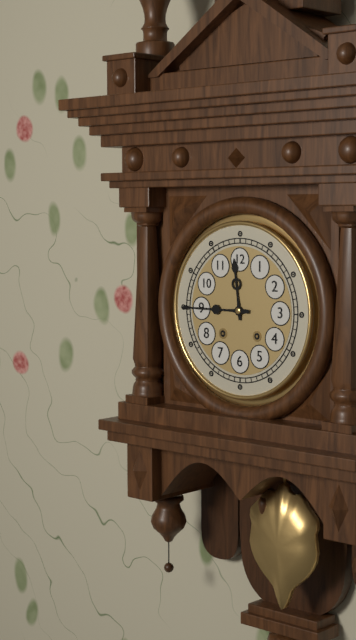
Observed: 11.45
